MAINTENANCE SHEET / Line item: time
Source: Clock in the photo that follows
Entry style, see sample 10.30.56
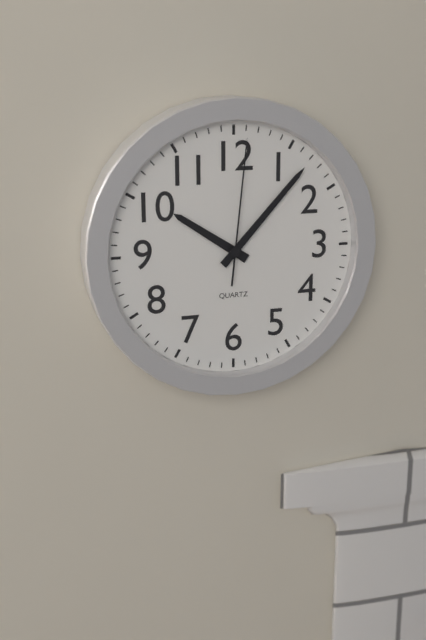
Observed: 10.07.01
